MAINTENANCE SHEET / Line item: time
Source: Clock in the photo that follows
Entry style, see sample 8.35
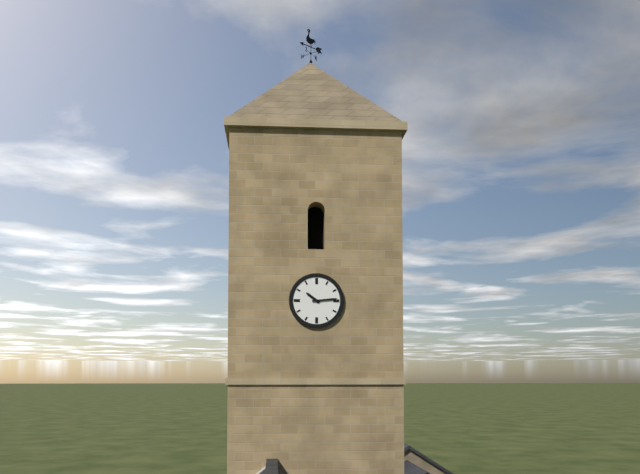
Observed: 10.14
